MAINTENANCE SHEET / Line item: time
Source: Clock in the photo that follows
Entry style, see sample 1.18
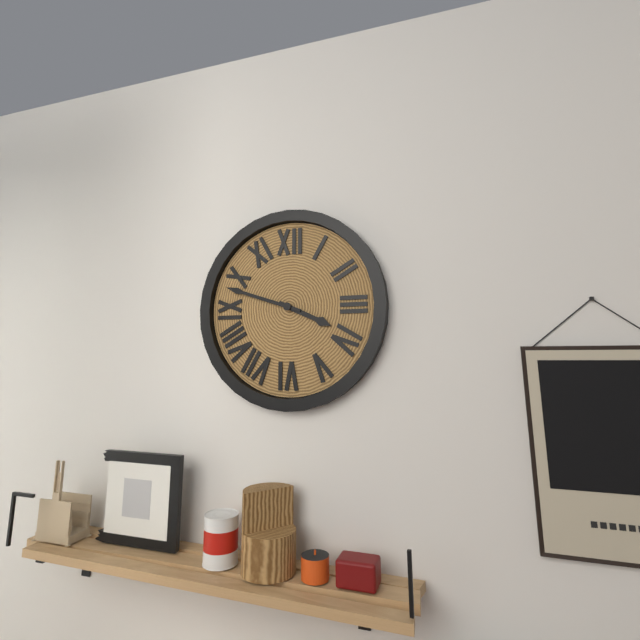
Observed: 3.48
